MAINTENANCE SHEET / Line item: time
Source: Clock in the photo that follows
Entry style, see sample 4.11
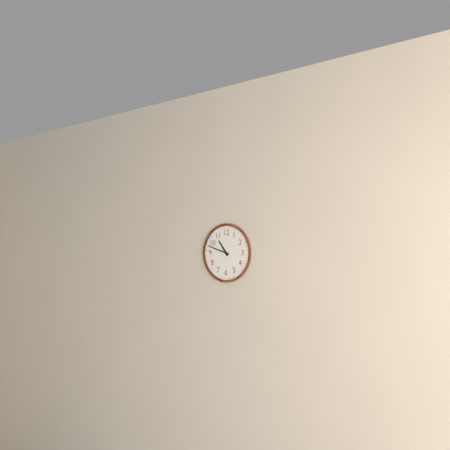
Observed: 10.48
